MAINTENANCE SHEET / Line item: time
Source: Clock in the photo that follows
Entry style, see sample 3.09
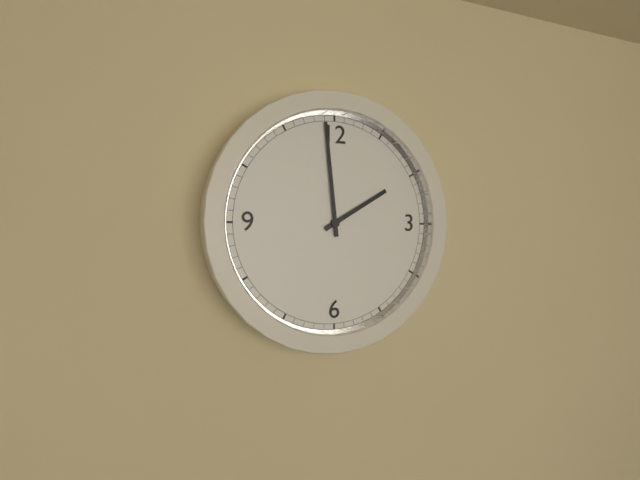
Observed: 1.59
